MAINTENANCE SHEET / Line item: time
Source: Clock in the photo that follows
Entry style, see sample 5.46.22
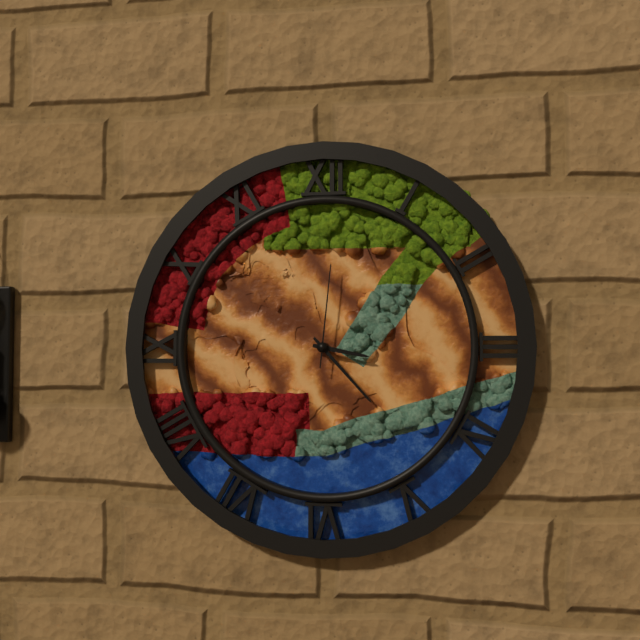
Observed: 3.23.01
